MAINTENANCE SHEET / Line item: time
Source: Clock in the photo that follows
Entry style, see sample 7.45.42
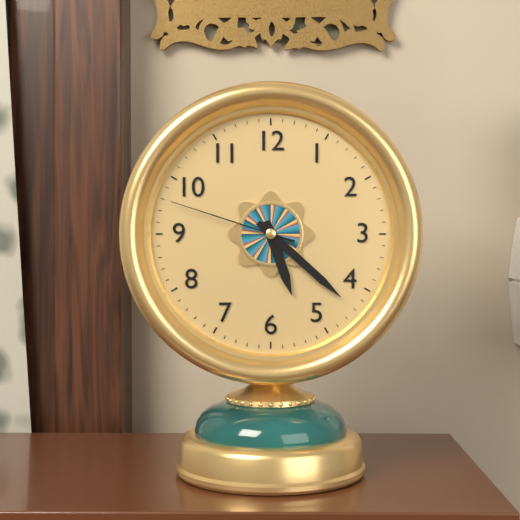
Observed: 5.22.48
